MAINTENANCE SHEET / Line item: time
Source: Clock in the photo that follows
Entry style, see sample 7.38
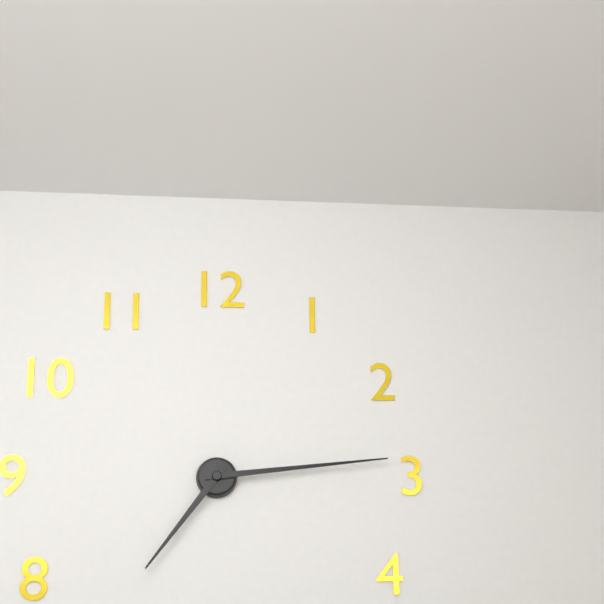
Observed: 7.14
